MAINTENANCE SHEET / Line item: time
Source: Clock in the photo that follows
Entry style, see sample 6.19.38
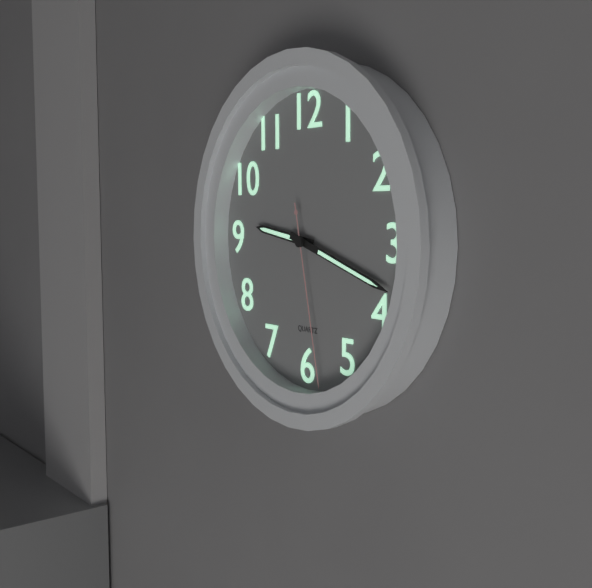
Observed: 9.18.28
